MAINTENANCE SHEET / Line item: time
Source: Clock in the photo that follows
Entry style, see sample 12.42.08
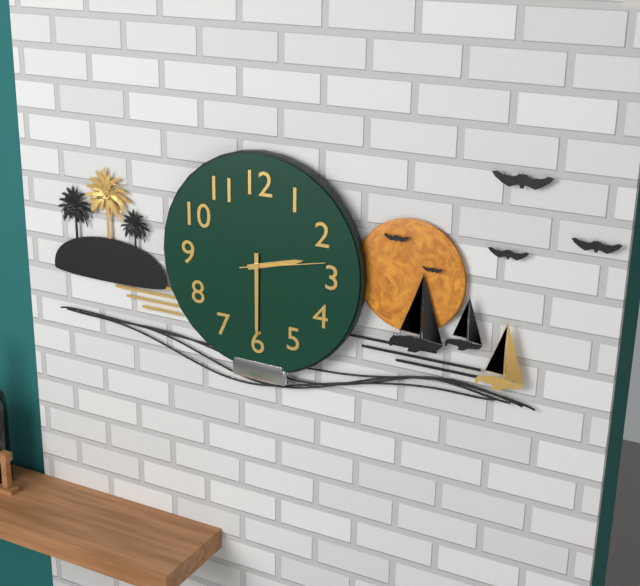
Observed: 2.30.13
